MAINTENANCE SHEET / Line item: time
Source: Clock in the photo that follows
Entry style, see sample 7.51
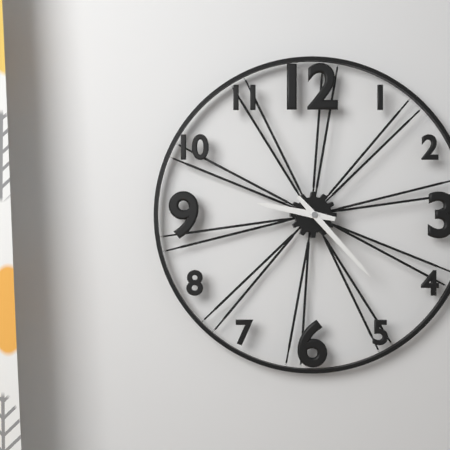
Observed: 9.23
